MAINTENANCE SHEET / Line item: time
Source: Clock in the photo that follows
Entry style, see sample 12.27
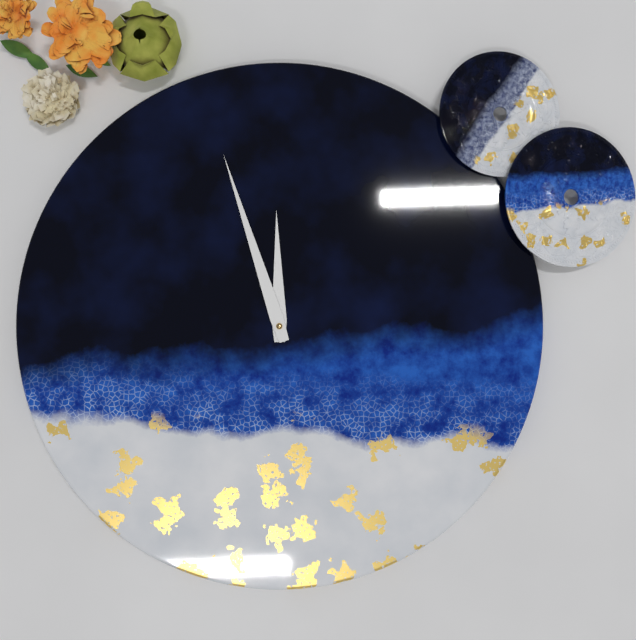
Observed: 11.57
